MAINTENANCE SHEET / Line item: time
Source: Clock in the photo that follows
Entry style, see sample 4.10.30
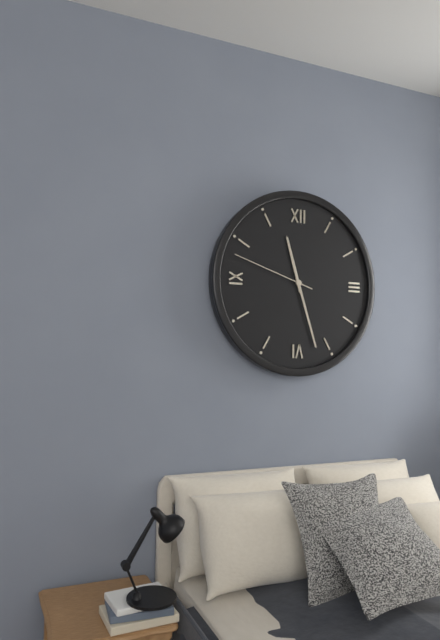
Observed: 11.27.48
